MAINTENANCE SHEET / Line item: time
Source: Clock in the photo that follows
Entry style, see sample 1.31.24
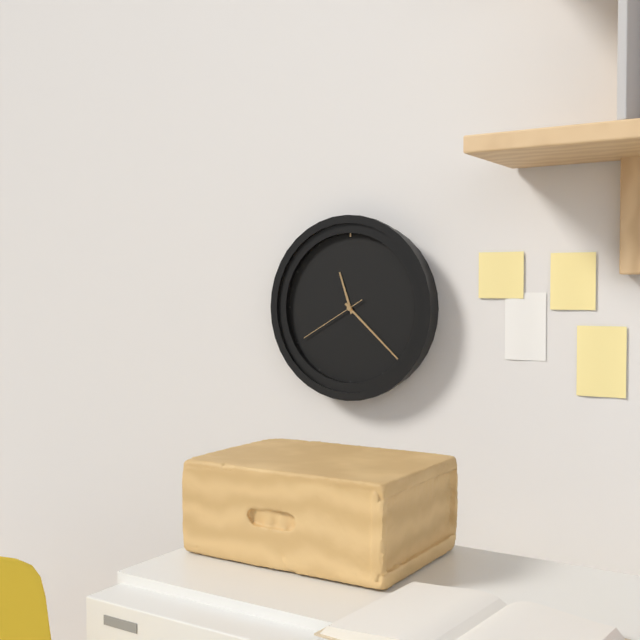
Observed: 11.22.40
